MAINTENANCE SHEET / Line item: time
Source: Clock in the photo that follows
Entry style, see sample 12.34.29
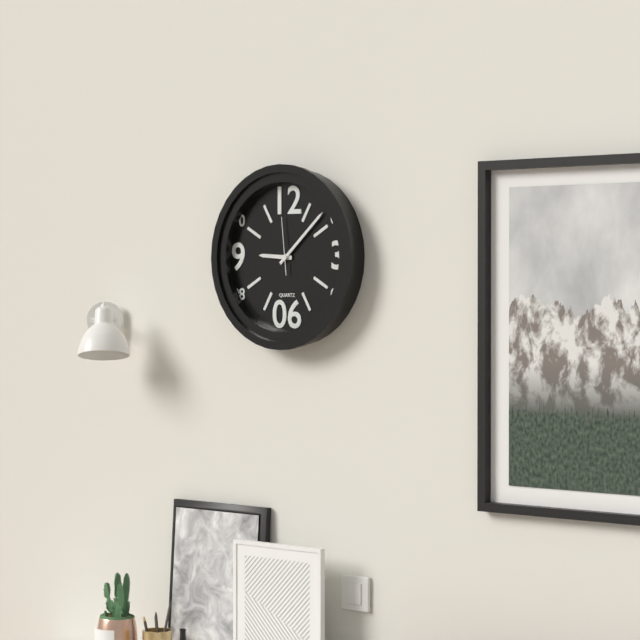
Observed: 9.08.59
